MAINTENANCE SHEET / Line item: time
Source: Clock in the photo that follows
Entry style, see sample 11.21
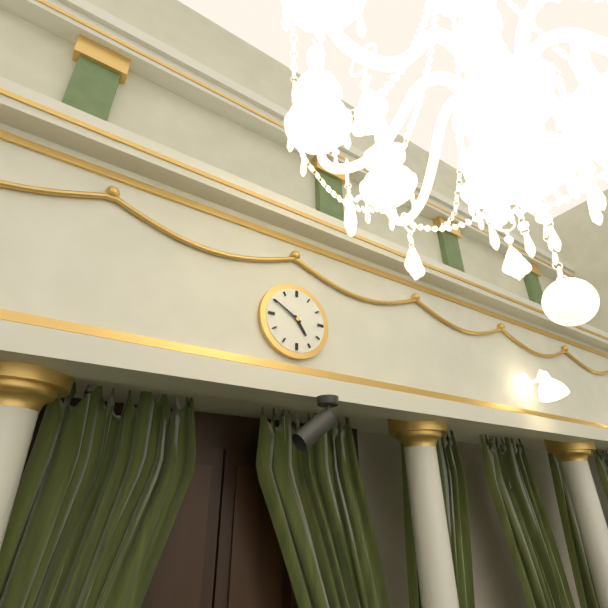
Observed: 4.50
